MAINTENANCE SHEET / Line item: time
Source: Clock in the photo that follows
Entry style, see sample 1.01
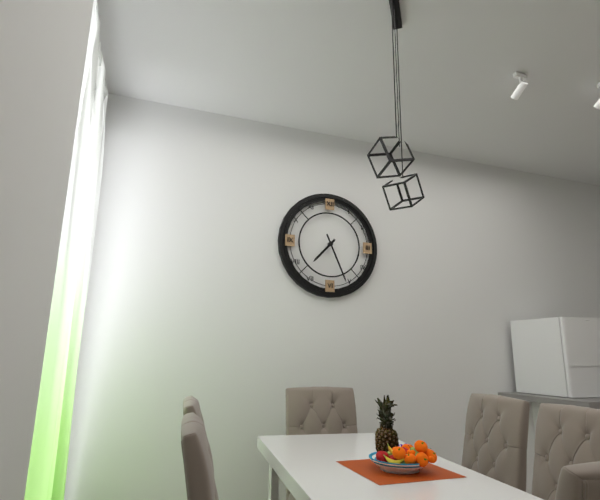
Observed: 7.26
